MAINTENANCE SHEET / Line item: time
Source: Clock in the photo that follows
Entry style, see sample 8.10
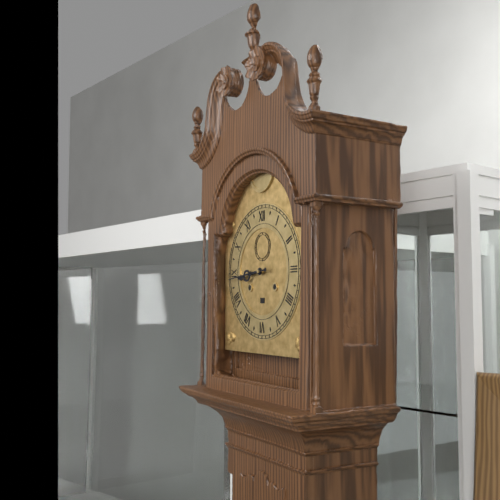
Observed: 8.44
